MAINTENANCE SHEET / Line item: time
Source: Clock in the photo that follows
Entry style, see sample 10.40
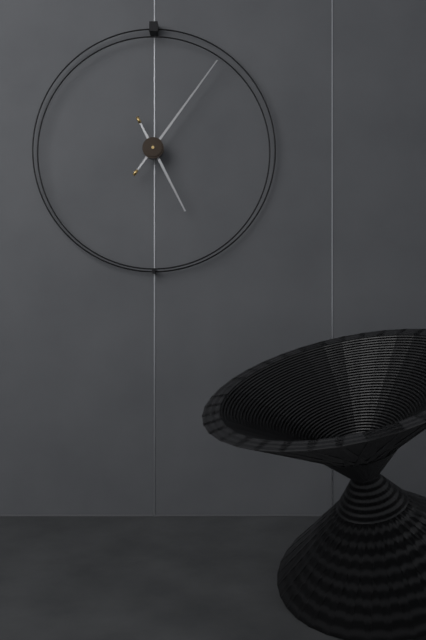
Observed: 5.06
